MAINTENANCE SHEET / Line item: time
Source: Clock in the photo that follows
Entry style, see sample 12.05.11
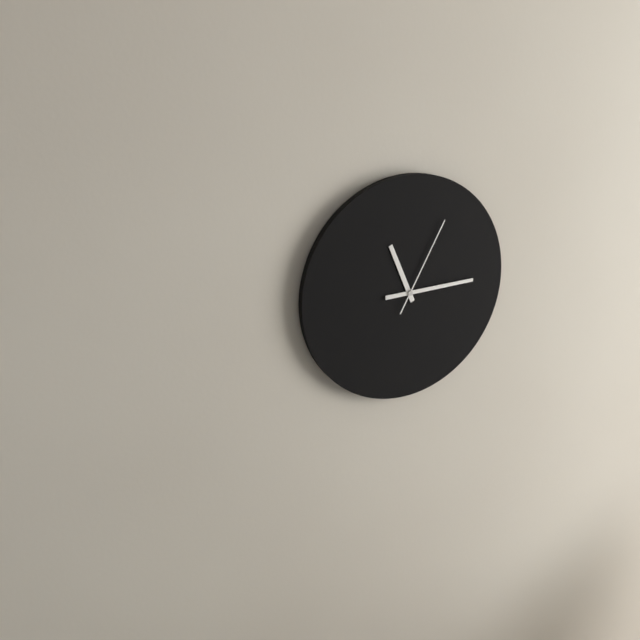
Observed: 11.15.05
